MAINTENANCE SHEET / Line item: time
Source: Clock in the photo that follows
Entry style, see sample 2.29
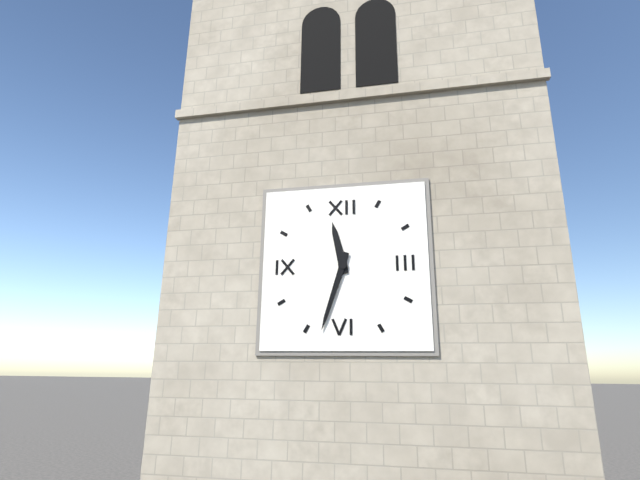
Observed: 11.33
